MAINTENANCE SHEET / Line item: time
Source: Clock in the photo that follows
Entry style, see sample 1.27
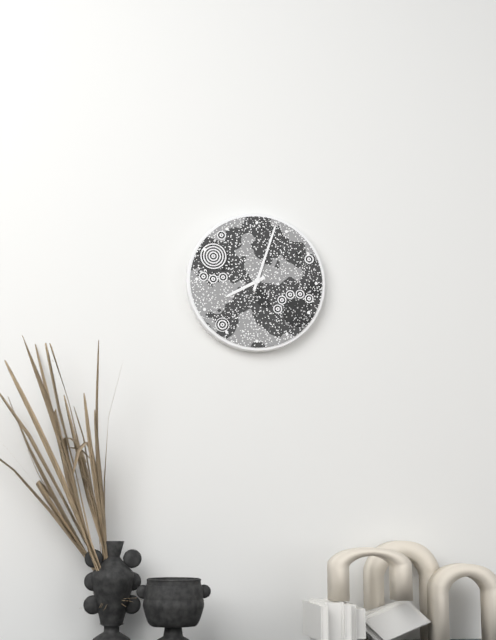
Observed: 8.03
